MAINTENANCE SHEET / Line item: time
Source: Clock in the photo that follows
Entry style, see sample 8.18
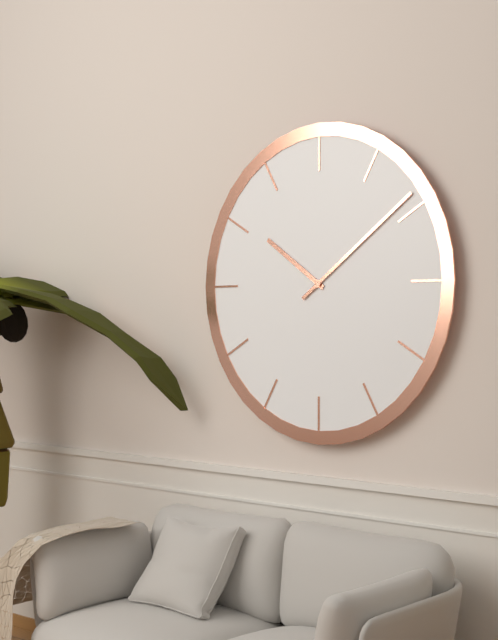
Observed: 10.09
